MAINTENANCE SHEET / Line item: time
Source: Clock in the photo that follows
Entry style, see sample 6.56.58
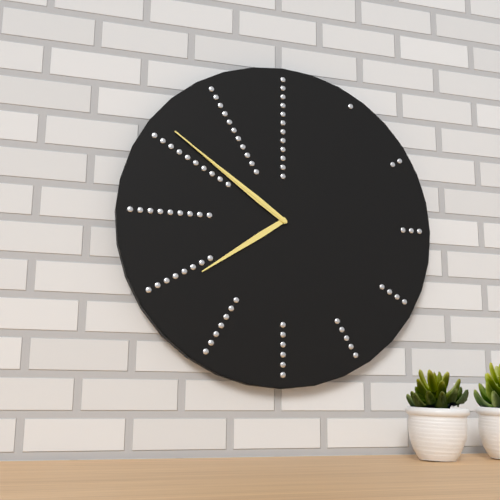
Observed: 7.51.51
